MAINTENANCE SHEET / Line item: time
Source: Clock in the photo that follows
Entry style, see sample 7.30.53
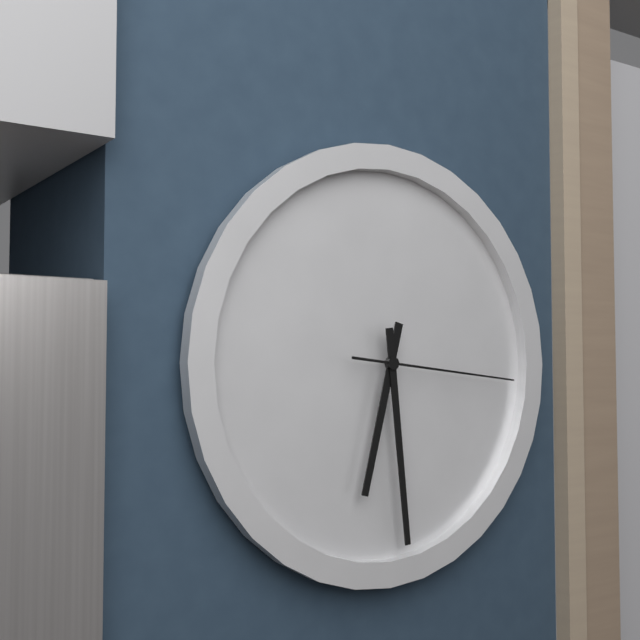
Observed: 6.29.16
